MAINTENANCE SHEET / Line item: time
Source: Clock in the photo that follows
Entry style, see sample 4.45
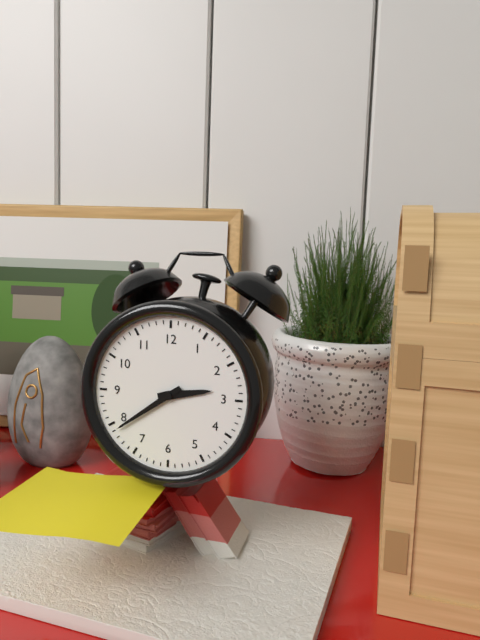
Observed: 2.39
